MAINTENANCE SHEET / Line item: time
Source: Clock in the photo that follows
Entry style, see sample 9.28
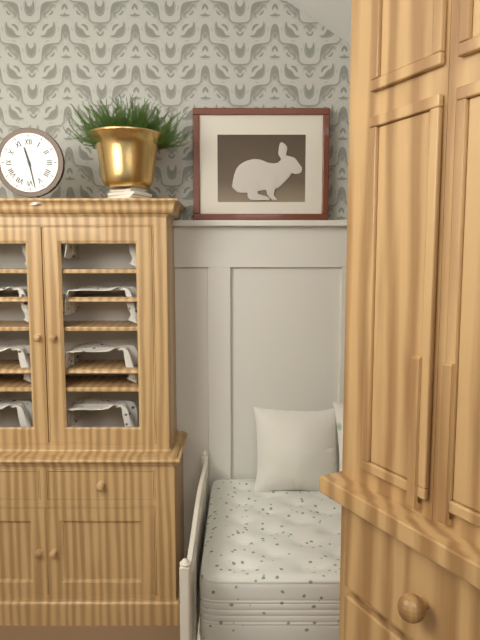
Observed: 11.28
